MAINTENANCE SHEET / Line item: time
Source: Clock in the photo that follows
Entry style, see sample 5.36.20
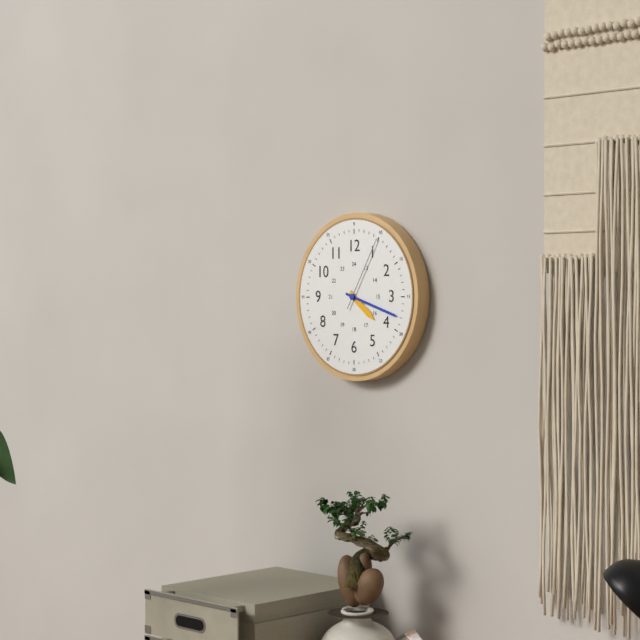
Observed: 4.18.05
